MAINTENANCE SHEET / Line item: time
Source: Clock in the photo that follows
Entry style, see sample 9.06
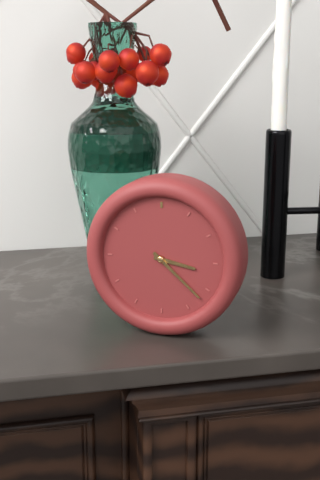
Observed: 3.22
